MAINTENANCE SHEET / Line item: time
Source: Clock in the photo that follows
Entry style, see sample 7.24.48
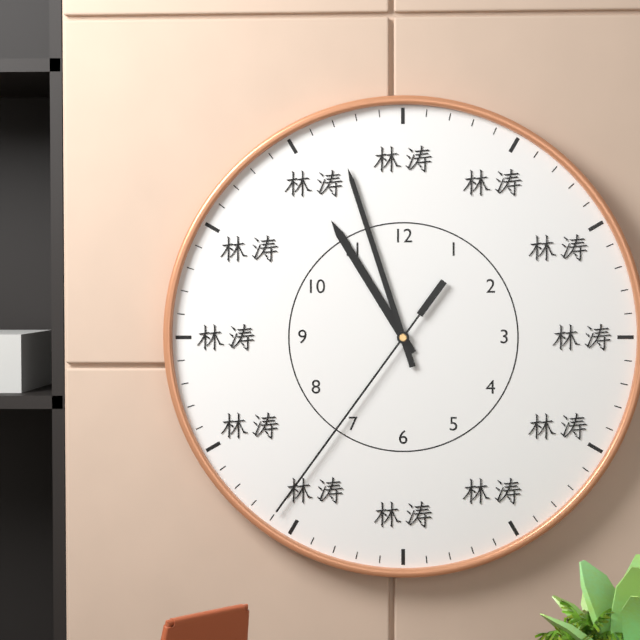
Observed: 10.57.36
